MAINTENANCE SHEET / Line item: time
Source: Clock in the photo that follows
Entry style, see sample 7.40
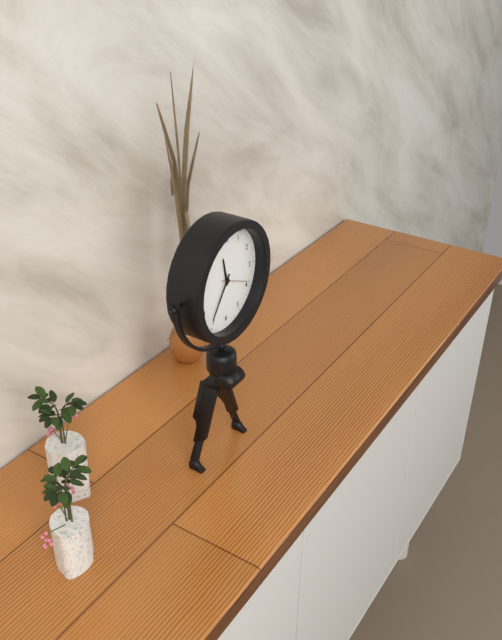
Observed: 11.36
